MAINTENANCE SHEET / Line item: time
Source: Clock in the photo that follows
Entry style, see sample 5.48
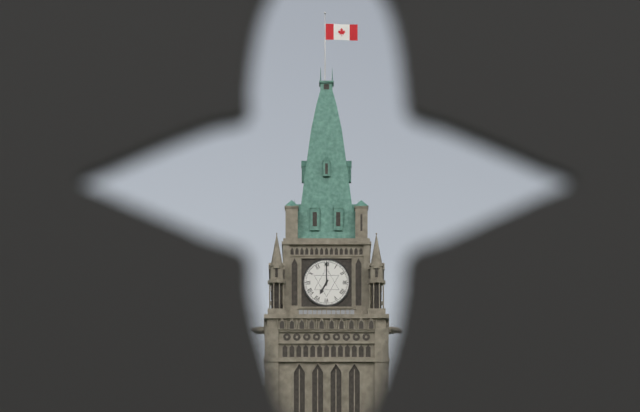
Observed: 7.00
